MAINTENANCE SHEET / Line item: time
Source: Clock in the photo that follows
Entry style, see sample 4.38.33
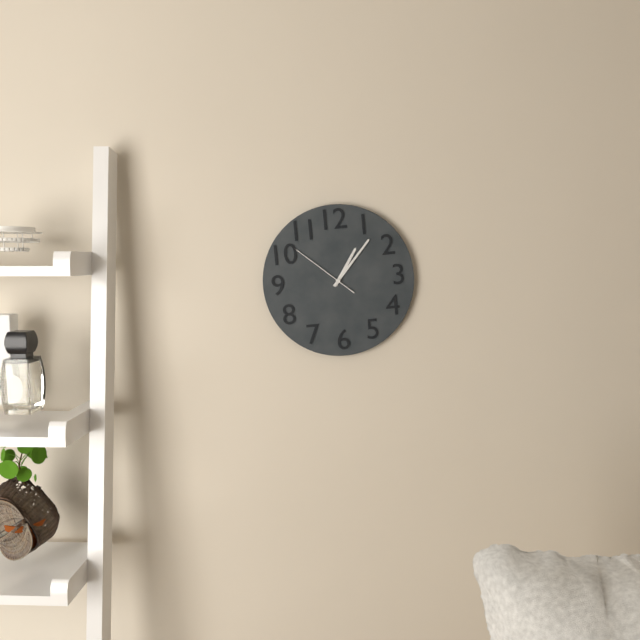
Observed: 1.07.52
